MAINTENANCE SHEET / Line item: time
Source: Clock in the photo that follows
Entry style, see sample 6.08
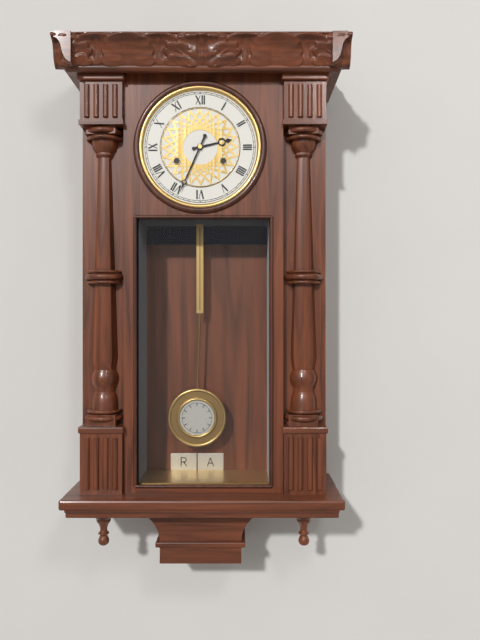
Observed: 2.34
